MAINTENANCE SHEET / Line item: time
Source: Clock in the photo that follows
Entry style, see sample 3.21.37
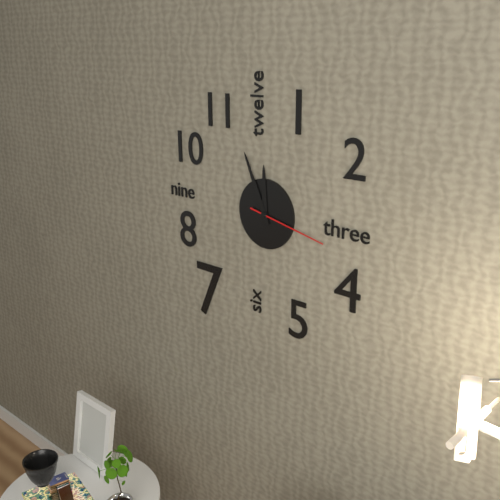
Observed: 11.56.17
